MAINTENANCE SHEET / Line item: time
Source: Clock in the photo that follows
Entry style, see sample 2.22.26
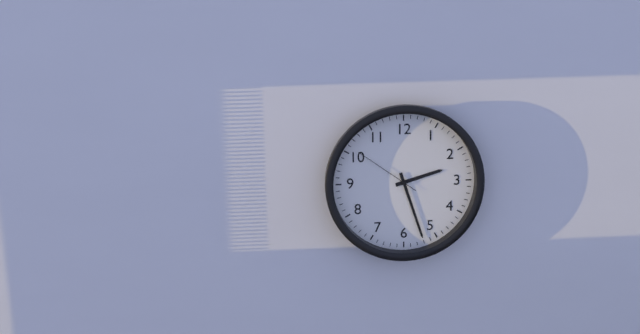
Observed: 2.27.51
